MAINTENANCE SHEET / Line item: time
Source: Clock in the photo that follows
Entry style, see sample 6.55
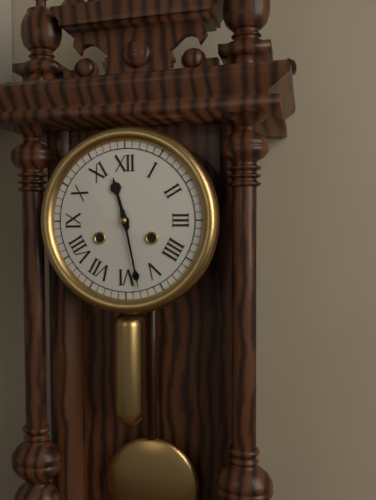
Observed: 11.28
